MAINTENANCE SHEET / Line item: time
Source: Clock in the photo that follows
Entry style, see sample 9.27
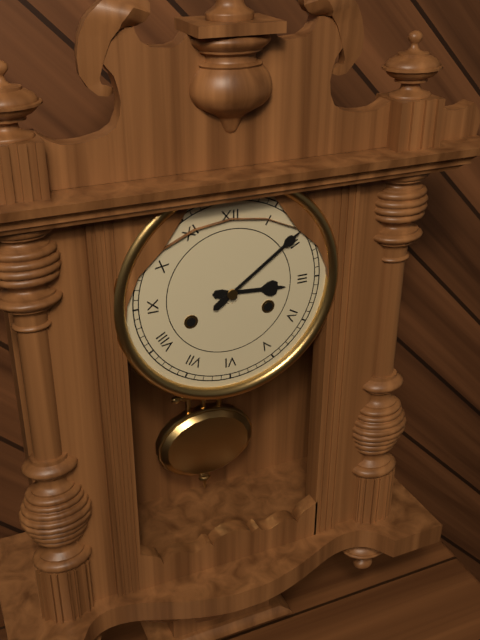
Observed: 3.09
